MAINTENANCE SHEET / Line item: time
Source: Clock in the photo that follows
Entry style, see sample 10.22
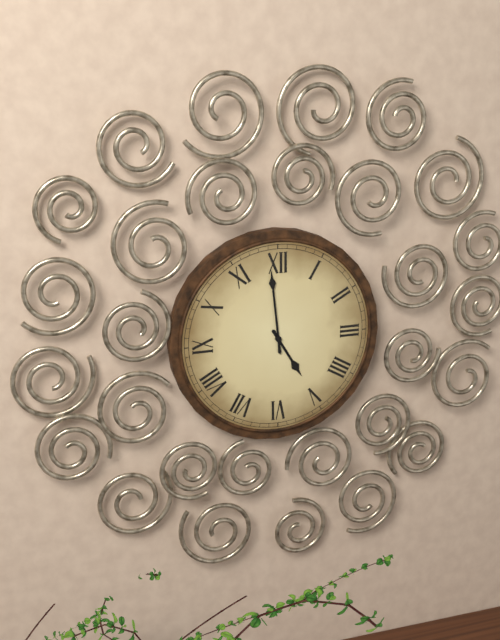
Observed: 4.59
